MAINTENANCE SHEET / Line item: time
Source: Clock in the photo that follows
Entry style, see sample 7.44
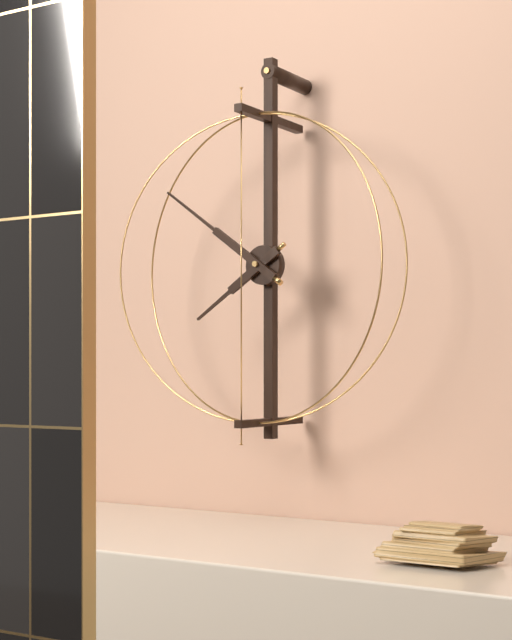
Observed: 7.51
